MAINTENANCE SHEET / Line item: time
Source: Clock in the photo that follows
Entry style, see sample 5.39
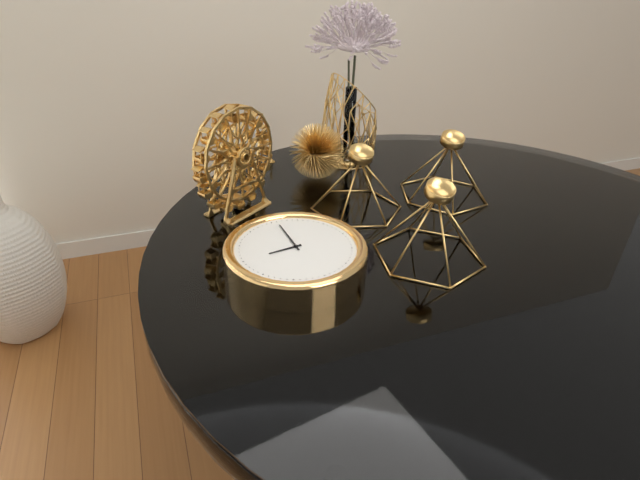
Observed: 9.01
